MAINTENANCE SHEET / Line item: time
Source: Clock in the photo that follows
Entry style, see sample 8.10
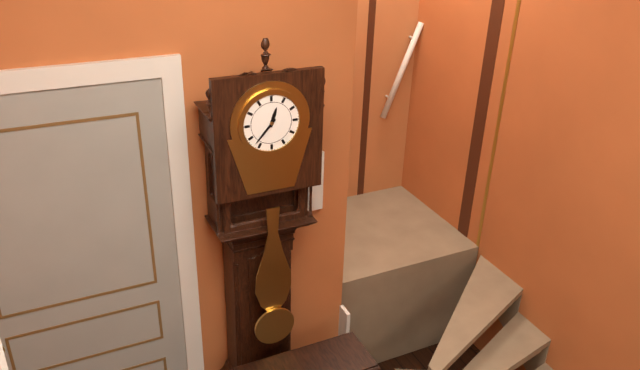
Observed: 12.37
